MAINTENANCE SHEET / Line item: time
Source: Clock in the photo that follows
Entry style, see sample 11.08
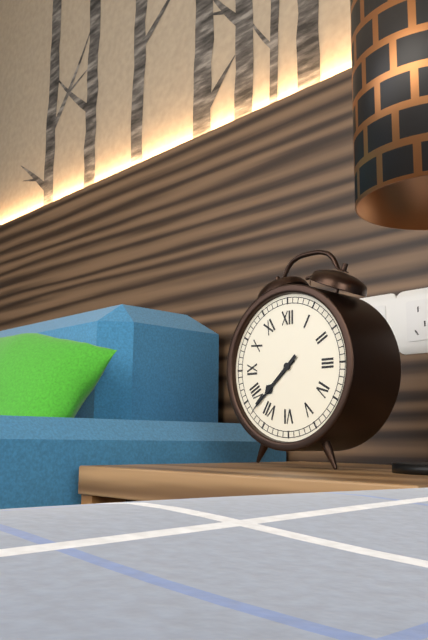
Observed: 7.38
